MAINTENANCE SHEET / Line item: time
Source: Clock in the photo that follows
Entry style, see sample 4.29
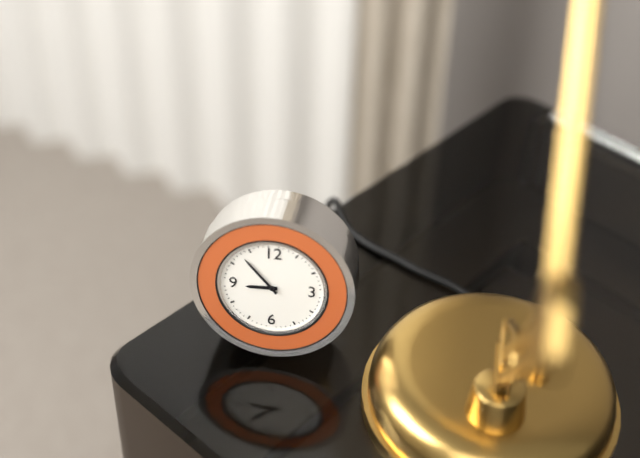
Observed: 8.53
